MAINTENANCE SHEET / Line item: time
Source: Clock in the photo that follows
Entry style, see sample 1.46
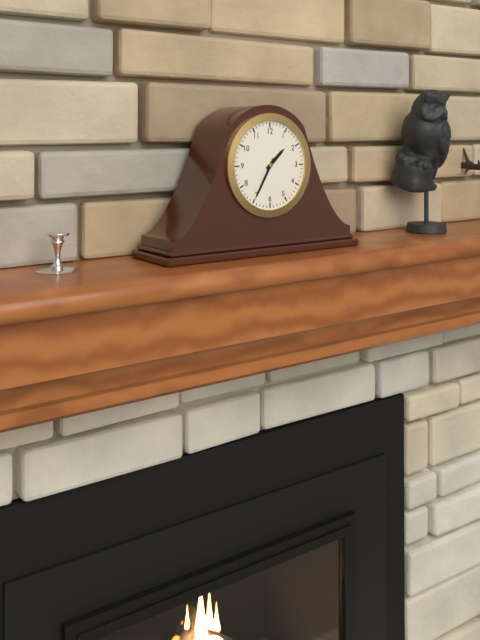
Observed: 1.35
